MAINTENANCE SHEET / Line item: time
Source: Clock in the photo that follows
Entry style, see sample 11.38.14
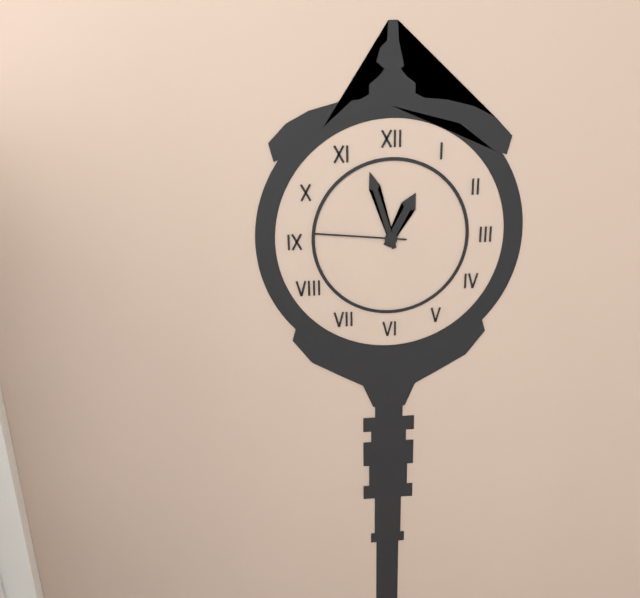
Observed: 12.57.46
